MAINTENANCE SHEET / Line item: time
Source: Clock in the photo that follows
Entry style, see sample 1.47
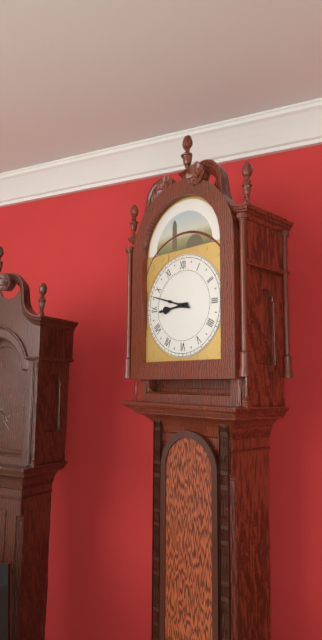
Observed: 8.48
